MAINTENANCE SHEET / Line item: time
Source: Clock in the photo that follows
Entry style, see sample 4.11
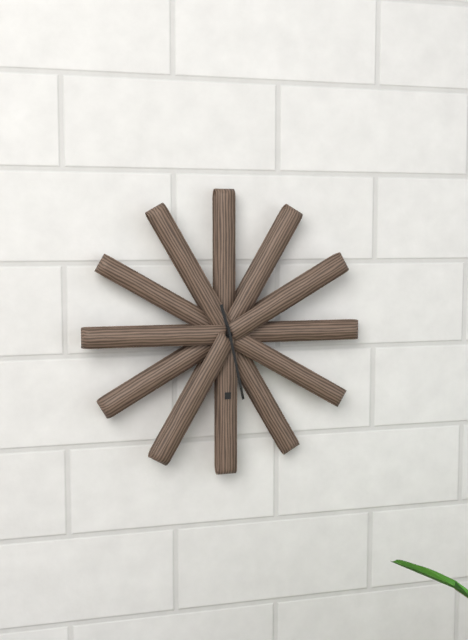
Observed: 11.28
